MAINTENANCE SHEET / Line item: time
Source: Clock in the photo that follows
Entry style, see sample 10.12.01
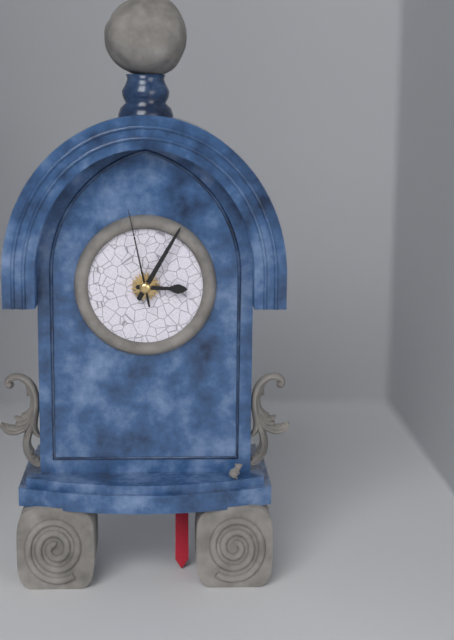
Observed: 3.05.58
